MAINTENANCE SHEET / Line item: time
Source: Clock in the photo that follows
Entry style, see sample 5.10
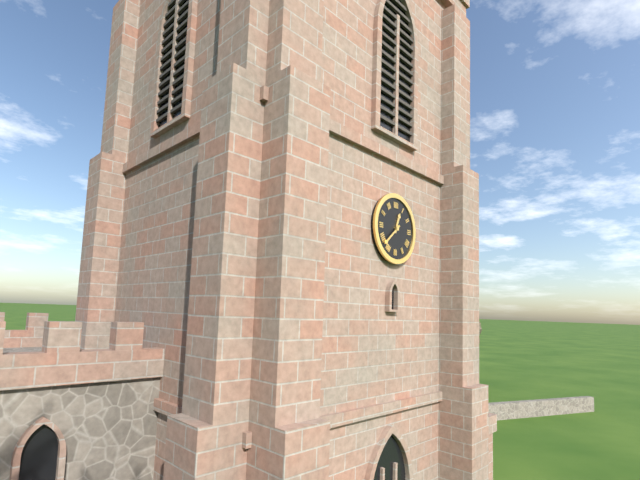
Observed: 12.38
